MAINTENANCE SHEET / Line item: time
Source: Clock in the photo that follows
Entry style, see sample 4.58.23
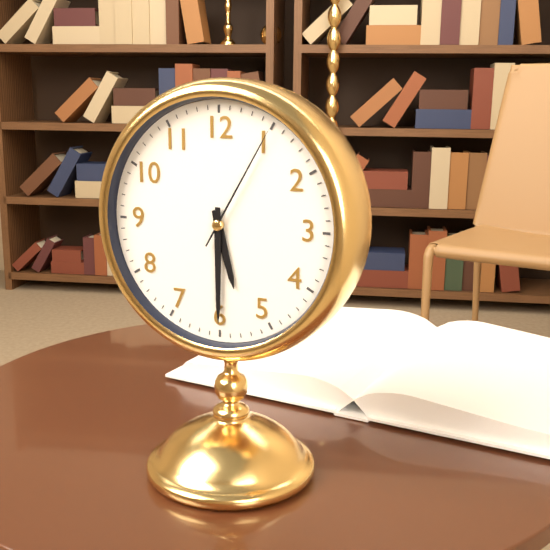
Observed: 5.30.05
